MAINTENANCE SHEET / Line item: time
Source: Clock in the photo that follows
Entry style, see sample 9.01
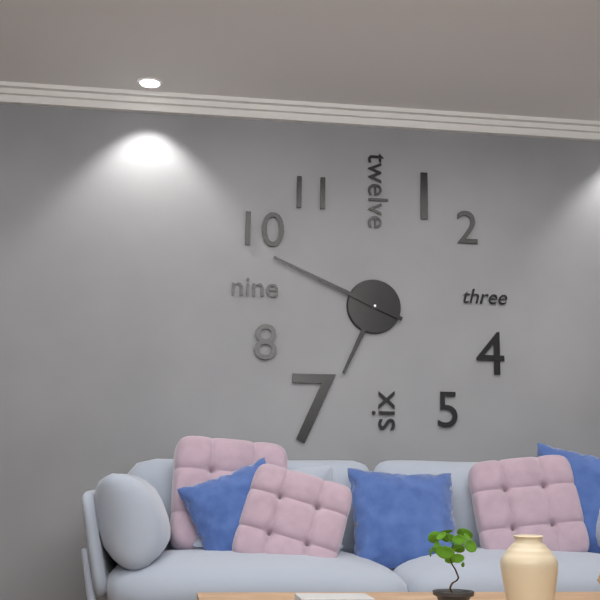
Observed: 6.49
